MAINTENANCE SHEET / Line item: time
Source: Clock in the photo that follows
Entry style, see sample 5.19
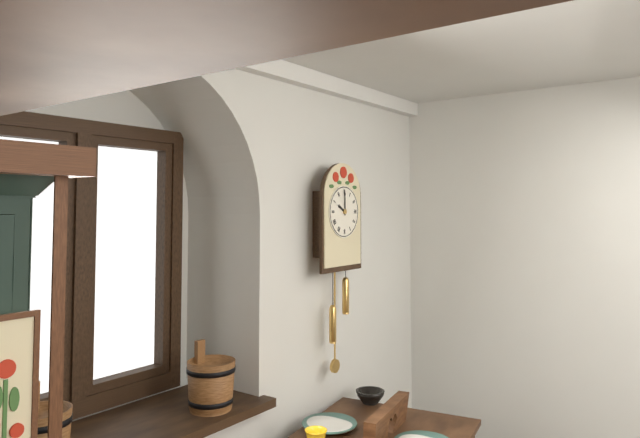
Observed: 10.00
